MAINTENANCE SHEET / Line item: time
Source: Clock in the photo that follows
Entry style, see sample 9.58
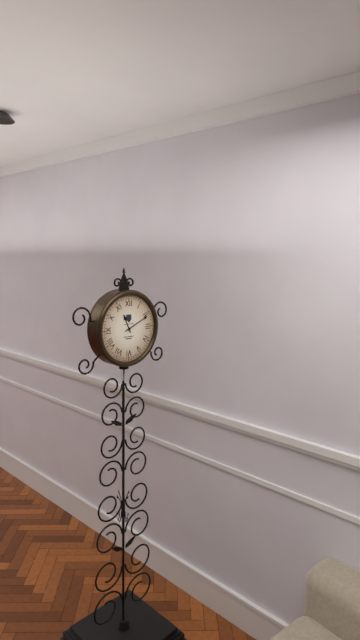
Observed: 11.11
